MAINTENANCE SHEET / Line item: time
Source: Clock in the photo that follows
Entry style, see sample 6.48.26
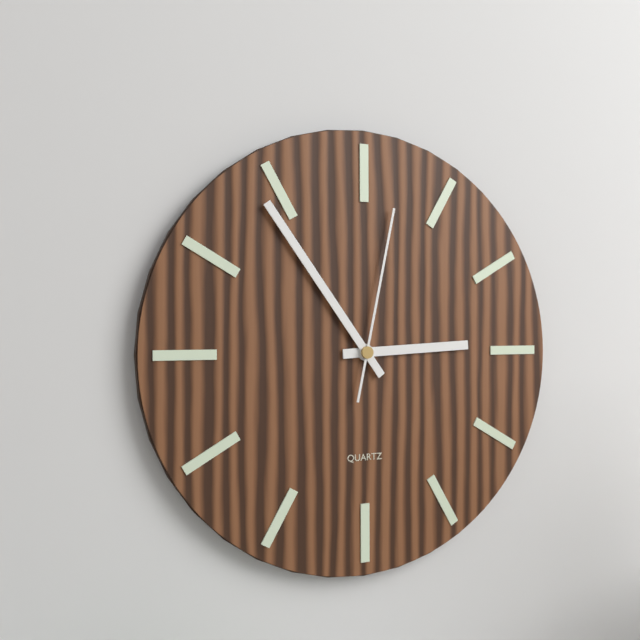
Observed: 2.54.02
